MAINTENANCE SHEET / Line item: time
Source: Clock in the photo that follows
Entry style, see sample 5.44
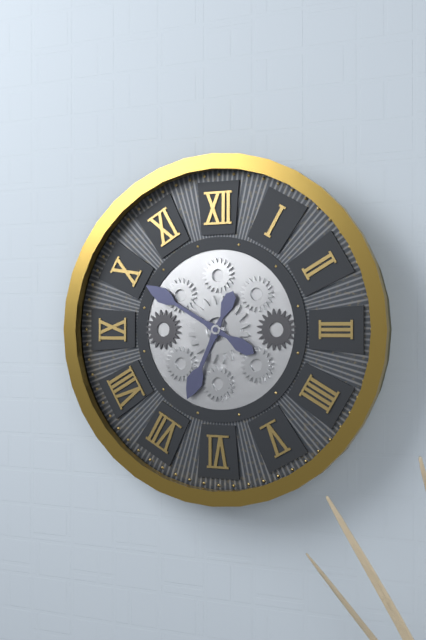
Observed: 6.50
